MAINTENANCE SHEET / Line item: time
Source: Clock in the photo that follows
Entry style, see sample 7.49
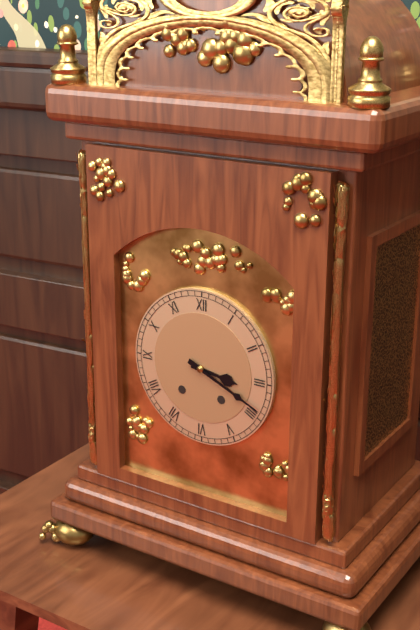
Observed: 3.19
